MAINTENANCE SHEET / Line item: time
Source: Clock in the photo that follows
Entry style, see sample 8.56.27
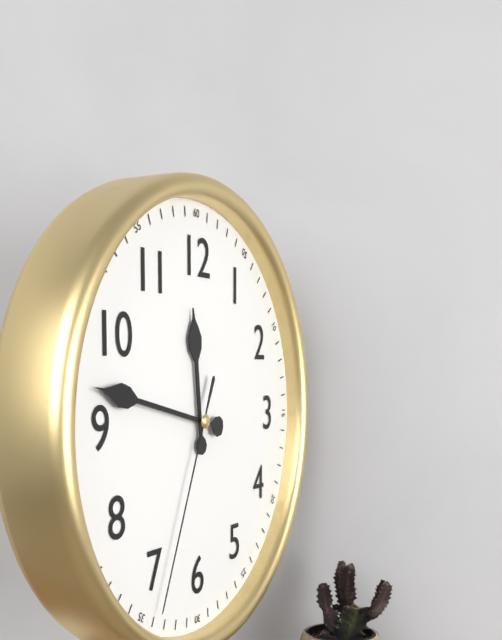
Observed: 11.47.34
